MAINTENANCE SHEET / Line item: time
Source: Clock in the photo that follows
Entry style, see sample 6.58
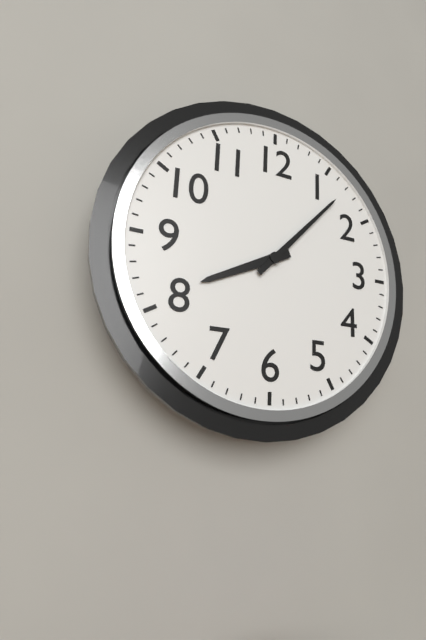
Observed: 8.07
